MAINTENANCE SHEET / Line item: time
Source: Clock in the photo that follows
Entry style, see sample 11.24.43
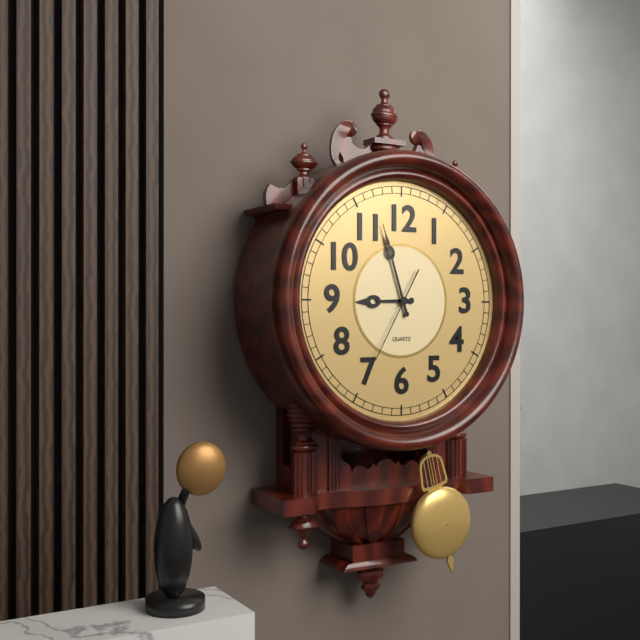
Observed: 8.57.35
